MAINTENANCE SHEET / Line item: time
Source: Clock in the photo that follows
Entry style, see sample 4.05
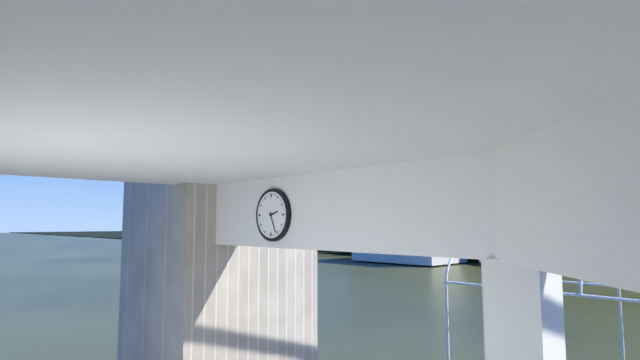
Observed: 2.26
